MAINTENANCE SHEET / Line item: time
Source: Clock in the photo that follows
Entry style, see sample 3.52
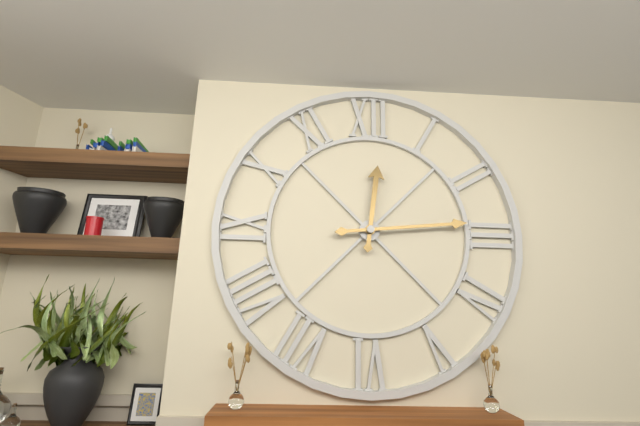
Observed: 12.14
